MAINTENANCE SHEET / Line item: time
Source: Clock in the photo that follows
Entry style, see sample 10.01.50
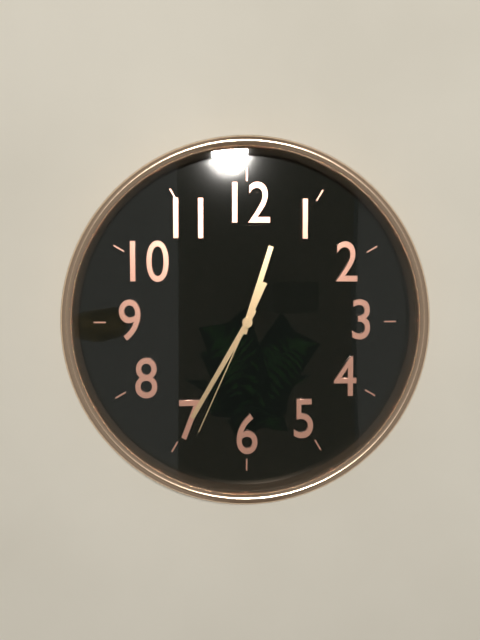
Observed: 12.35.34
